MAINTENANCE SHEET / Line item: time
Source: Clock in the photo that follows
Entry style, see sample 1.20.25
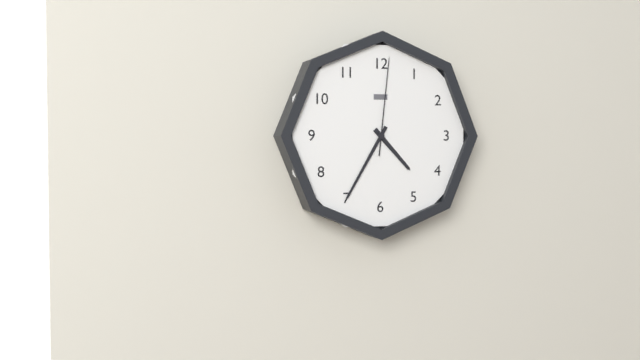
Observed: 4.35.01
